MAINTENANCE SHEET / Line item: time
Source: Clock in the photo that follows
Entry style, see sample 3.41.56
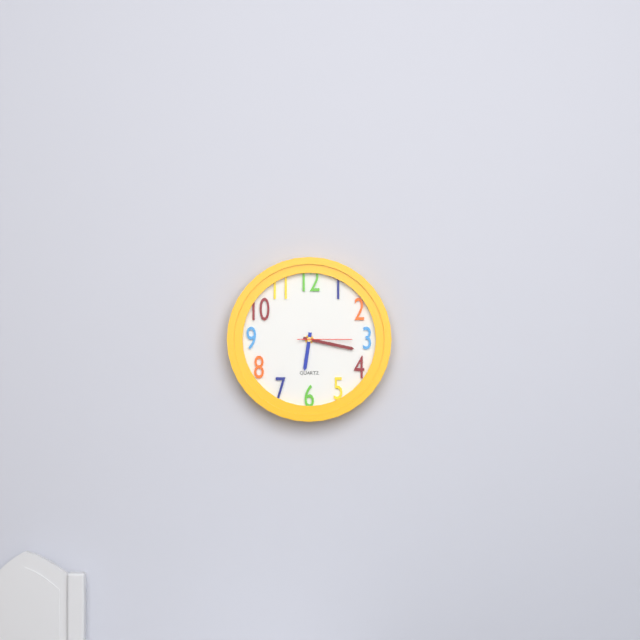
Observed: 6.17.15
